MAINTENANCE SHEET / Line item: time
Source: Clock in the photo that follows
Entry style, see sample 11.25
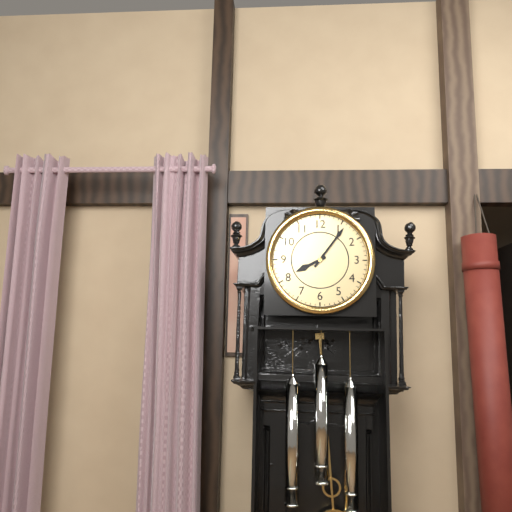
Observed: 8.06
